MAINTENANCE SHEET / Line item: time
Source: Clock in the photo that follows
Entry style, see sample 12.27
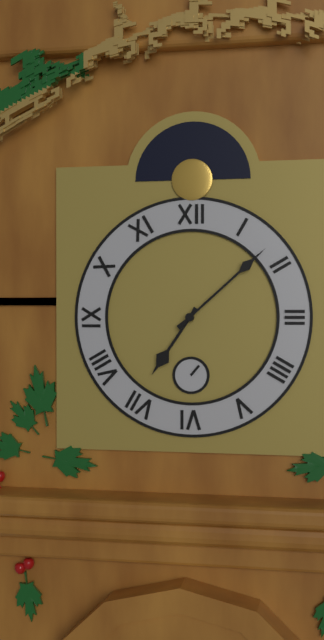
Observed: 7.08
